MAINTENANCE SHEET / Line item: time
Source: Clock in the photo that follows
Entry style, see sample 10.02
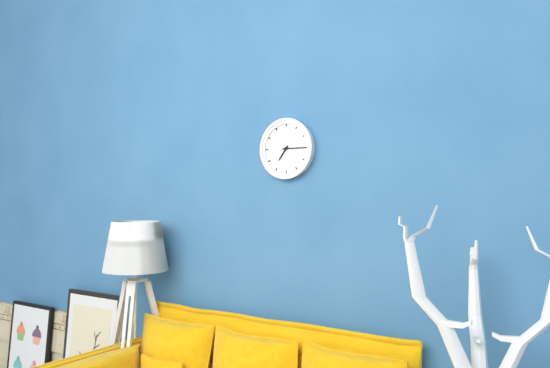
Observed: 7.15
